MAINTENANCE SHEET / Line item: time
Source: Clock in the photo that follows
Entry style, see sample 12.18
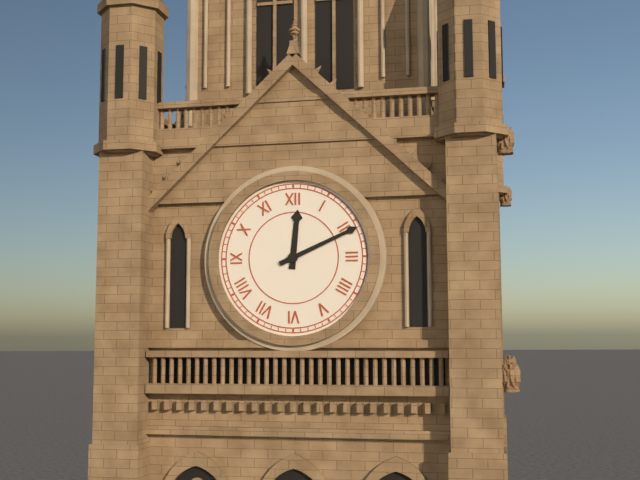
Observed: 12.11
